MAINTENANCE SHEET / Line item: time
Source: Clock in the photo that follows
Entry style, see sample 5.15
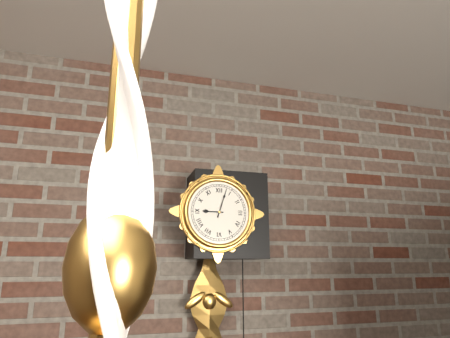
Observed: 9.03
